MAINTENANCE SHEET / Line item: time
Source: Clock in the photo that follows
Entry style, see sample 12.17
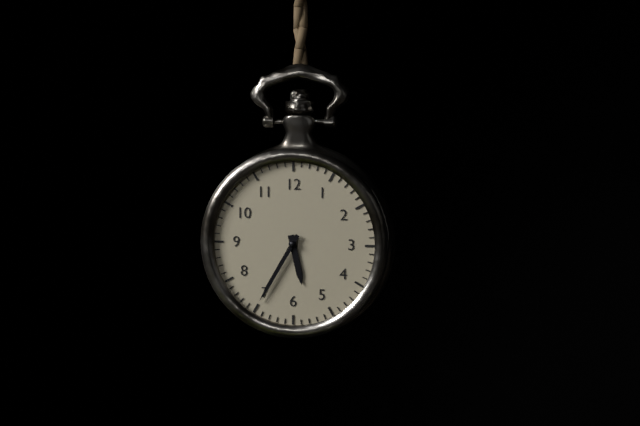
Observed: 5.35
